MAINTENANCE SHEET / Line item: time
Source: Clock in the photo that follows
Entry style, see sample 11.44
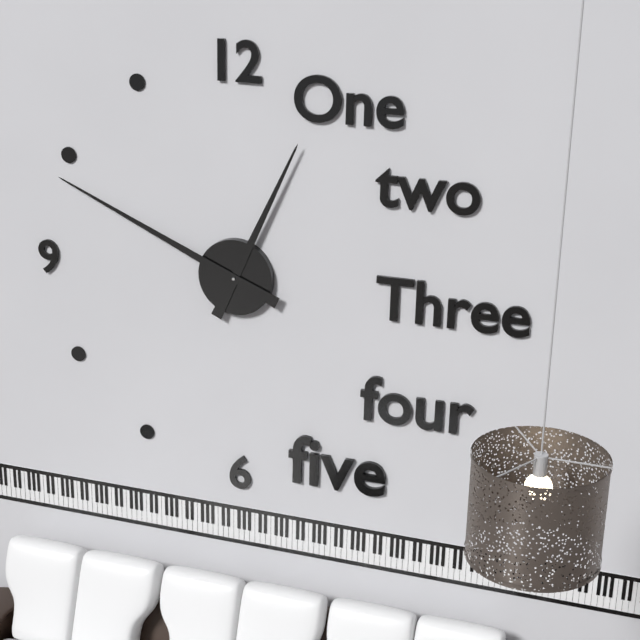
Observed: 12.49
